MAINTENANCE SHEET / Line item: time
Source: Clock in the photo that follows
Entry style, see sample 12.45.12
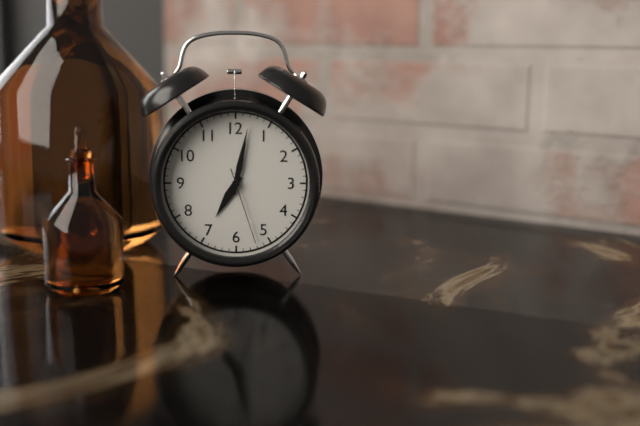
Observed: 7.02.27
